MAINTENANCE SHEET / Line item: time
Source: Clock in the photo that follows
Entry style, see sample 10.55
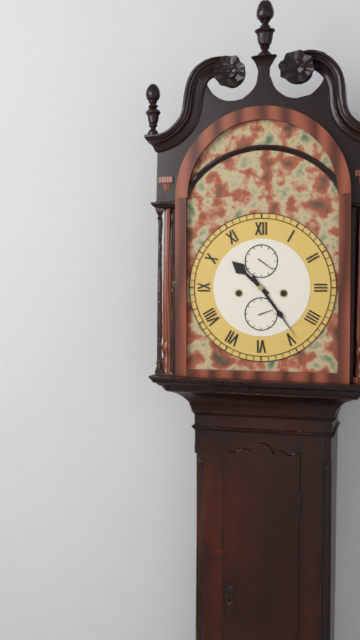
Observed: 10.24
